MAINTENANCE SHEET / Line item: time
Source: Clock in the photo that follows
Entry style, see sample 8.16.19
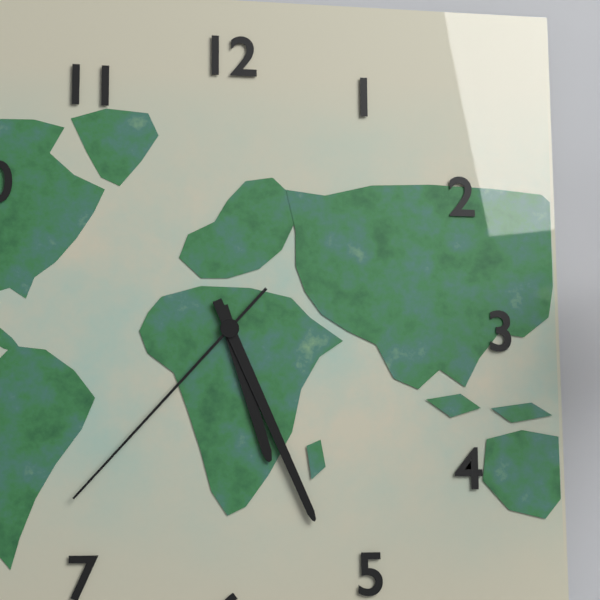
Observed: 5.26.37
